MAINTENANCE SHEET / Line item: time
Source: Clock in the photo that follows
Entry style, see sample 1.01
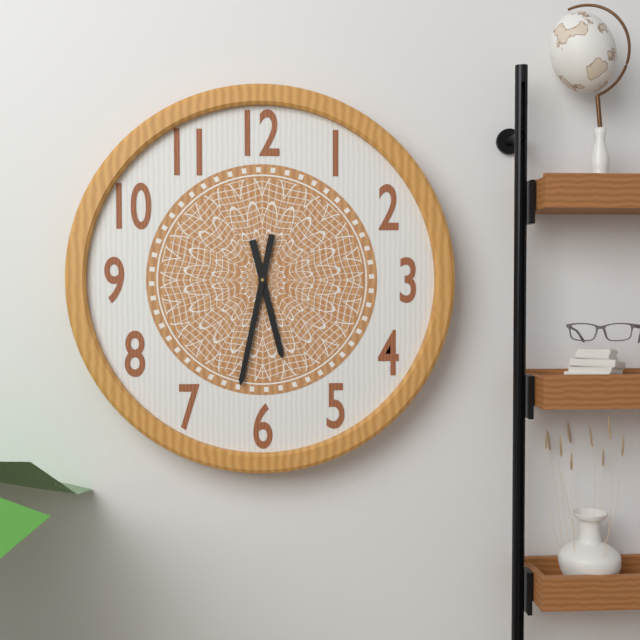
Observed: 5.32
